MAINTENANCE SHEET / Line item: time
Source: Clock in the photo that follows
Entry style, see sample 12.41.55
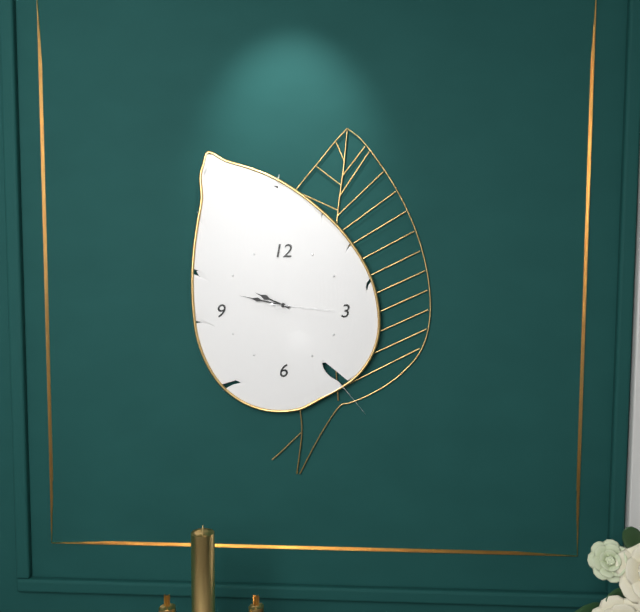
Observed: 9.47.16
